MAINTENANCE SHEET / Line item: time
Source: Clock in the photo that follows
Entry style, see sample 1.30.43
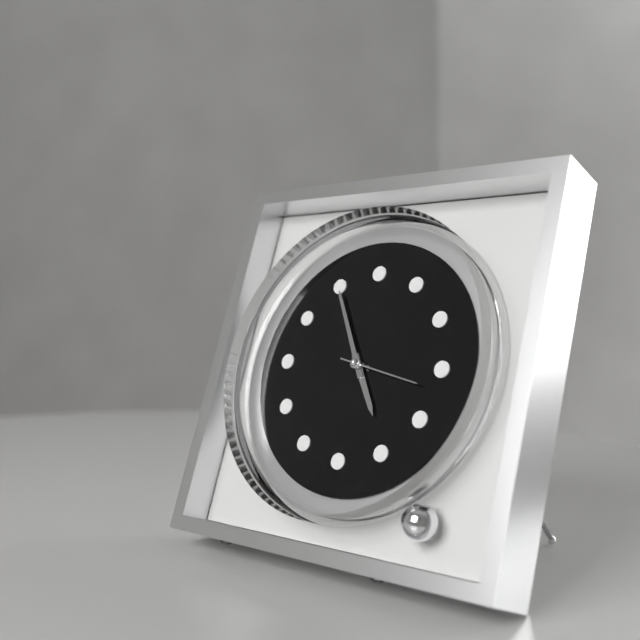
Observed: 4.55.17
